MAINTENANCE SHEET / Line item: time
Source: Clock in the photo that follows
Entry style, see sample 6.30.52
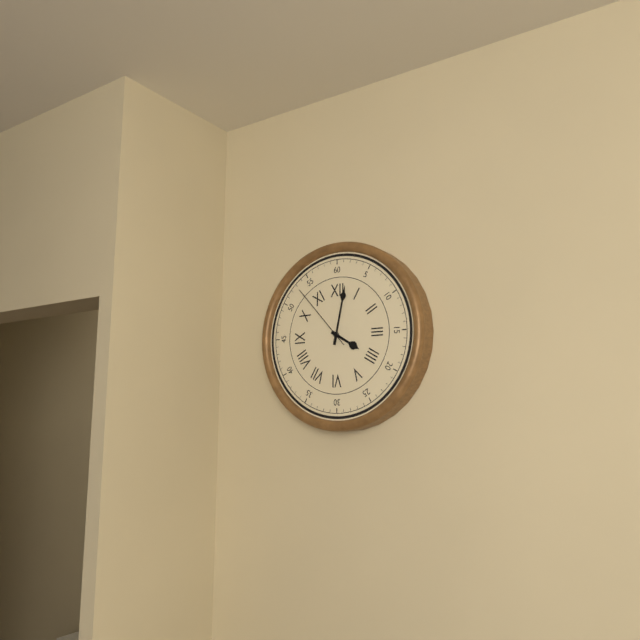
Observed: 4.02.53
